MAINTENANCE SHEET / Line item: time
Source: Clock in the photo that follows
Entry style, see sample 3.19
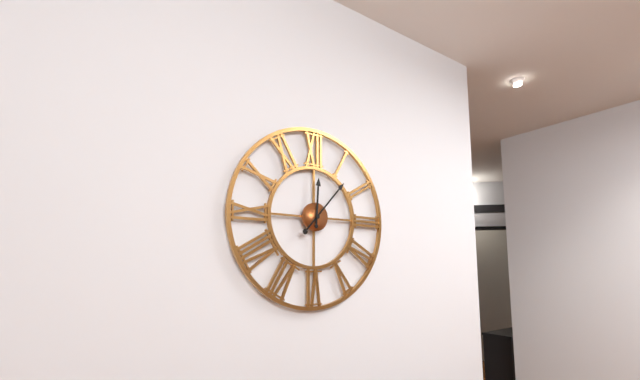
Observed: 12.07
